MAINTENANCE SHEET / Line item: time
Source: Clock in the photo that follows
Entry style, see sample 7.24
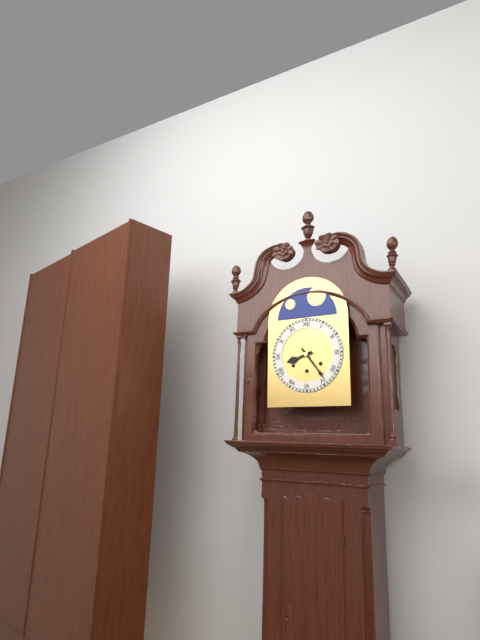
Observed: 8.24
